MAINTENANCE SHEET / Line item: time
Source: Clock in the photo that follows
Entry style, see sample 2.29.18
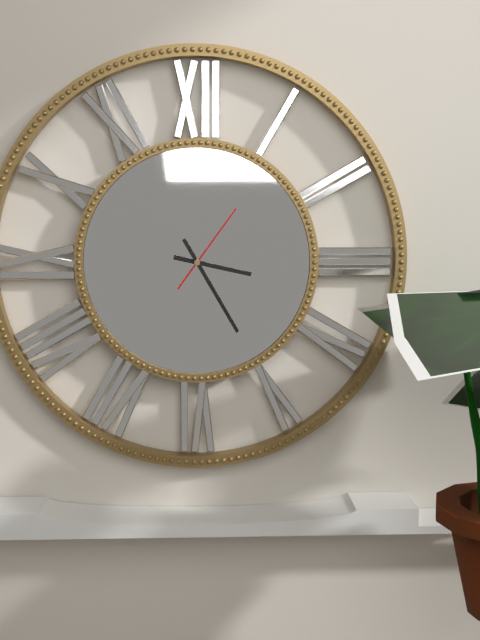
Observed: 3.25.06
